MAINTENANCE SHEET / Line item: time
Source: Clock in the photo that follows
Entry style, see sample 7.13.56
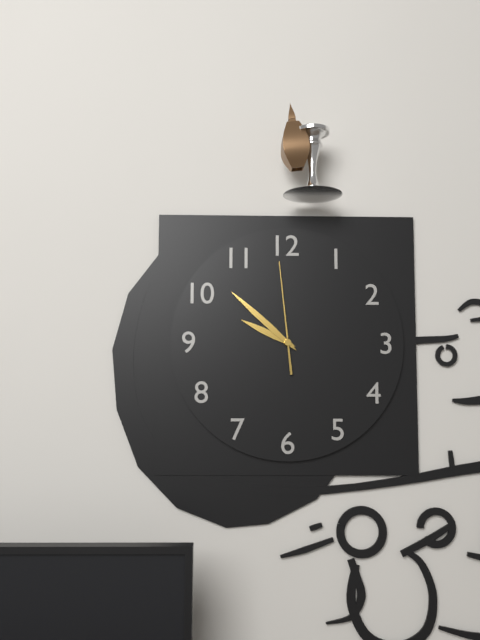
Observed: 9.52.59
